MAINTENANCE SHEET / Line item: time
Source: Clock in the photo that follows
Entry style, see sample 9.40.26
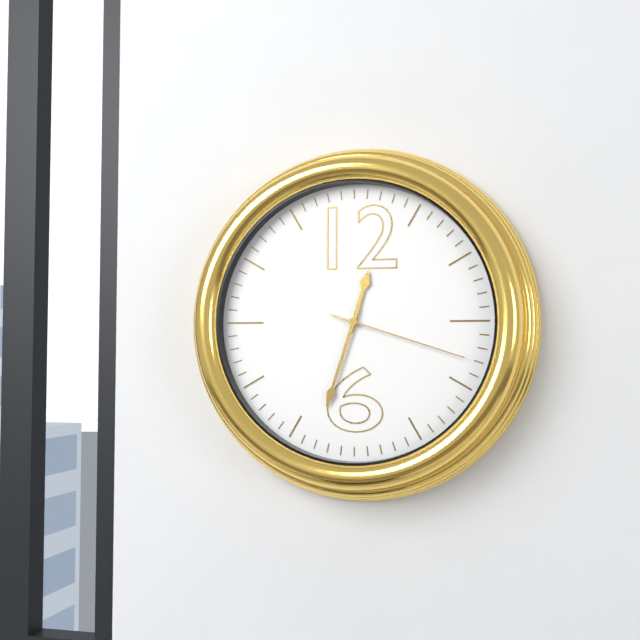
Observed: 12.33.18
